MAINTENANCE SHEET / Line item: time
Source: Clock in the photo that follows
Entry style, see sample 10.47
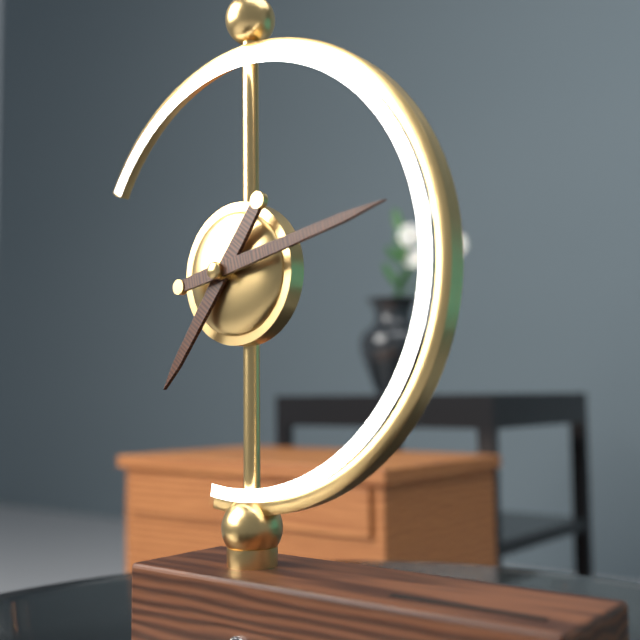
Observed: 7.13
